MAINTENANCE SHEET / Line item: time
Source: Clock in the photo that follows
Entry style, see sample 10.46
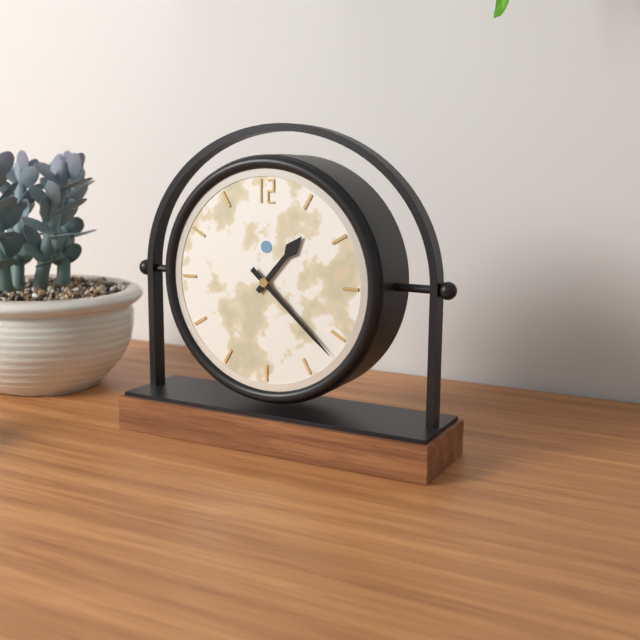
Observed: 1.22
